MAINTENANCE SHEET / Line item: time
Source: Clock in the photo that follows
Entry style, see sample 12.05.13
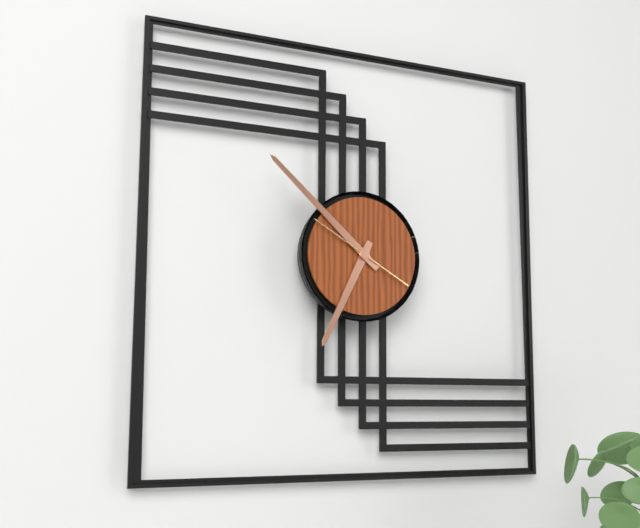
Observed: 6.52.50
